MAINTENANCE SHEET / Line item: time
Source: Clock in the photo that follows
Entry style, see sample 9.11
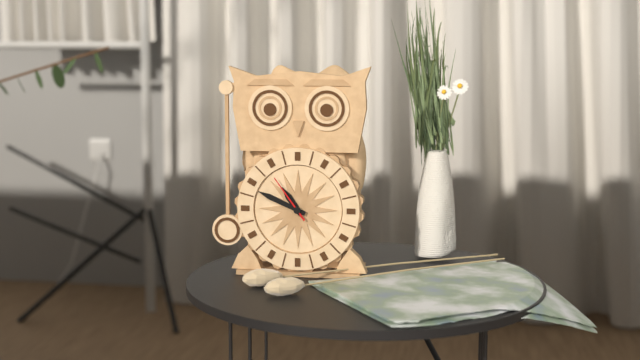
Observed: 10.49
